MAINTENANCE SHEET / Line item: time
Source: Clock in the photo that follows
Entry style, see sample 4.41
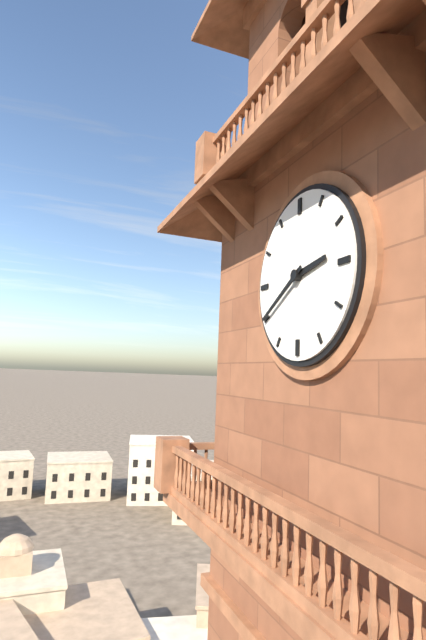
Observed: 2.40
